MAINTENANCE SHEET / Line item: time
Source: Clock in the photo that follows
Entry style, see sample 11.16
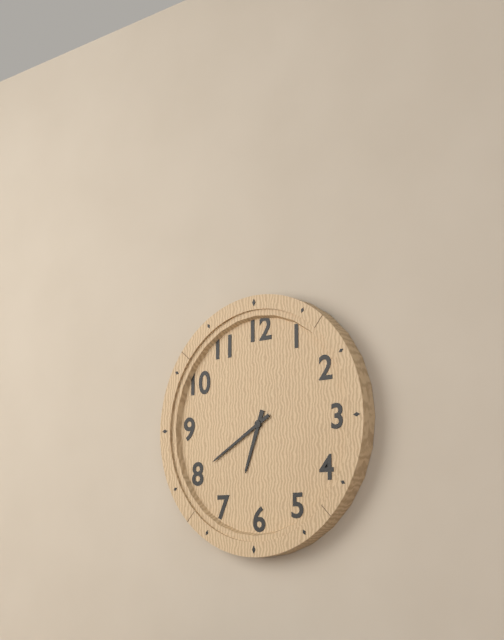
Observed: 6.40
